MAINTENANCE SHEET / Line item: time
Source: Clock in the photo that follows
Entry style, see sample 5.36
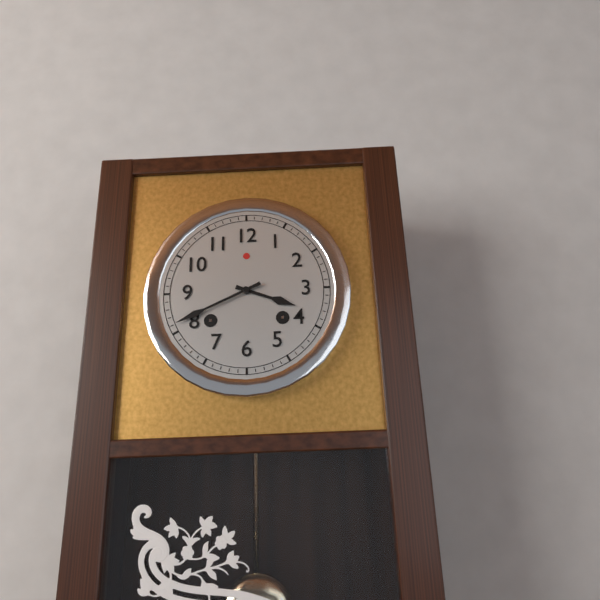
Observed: 3.41
